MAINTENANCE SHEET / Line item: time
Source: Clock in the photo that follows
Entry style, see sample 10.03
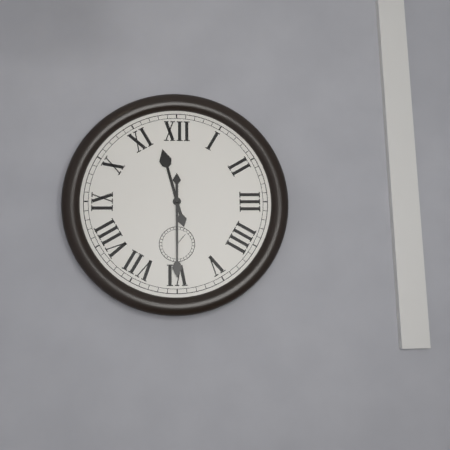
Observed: 11.30
